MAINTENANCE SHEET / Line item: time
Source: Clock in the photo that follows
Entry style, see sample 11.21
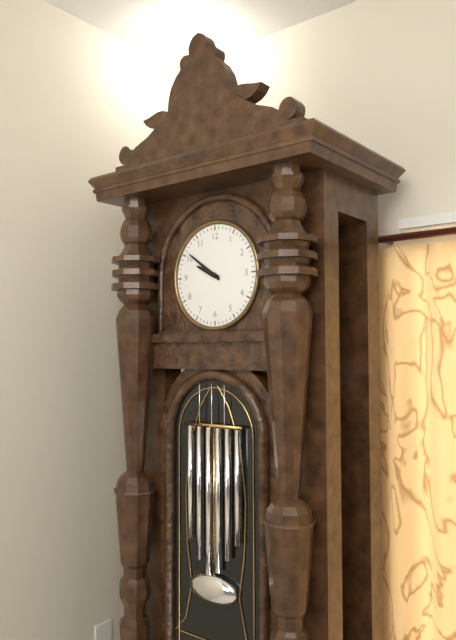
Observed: 9.51
